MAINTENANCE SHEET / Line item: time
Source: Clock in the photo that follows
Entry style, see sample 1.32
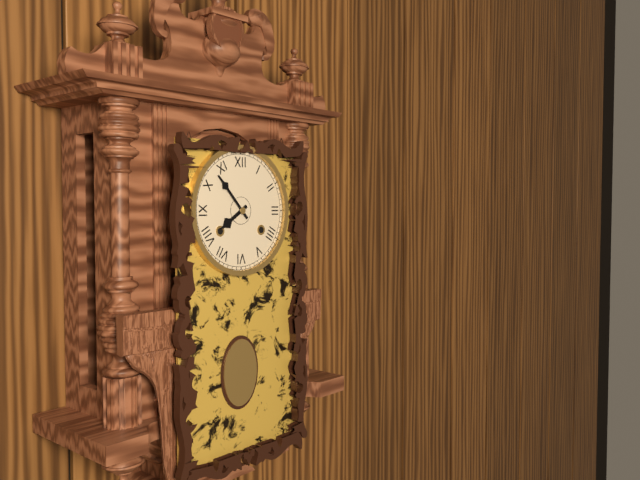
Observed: 7.53
